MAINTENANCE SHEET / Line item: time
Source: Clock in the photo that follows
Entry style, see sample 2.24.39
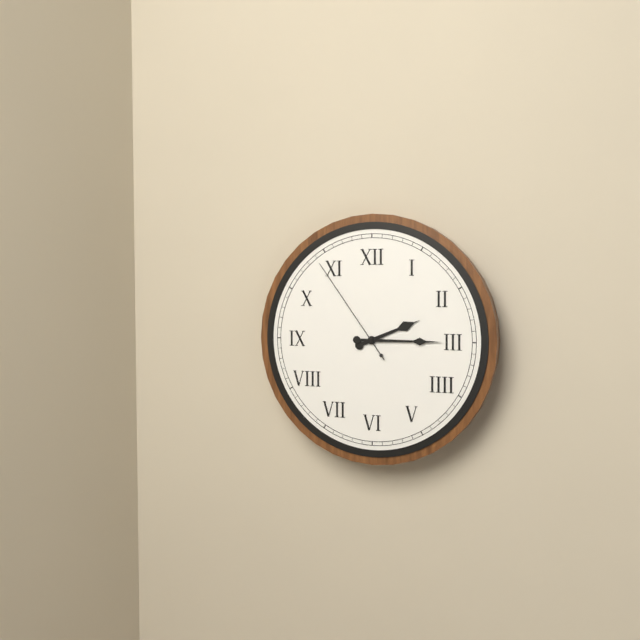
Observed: 2.15.54
